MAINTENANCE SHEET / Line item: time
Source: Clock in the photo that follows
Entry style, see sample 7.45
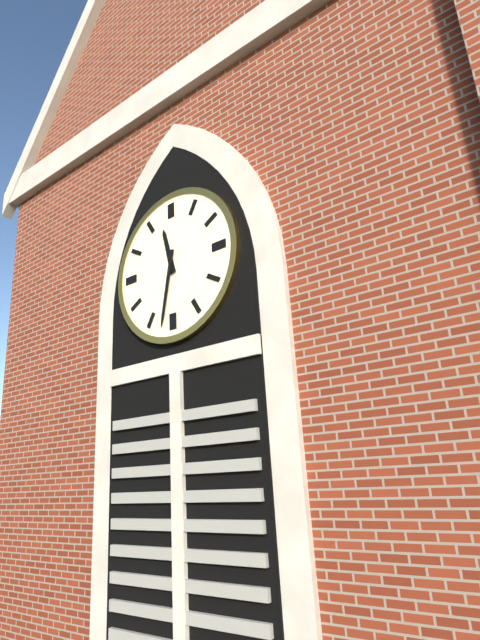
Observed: 11.32
